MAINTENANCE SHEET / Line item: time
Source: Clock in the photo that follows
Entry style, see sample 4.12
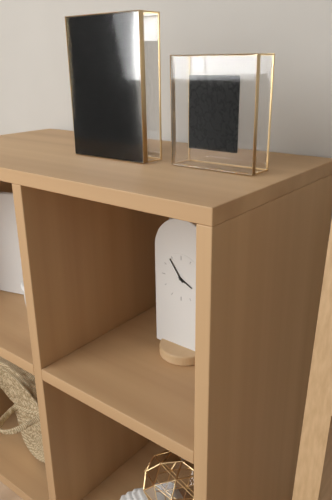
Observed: 3.54
